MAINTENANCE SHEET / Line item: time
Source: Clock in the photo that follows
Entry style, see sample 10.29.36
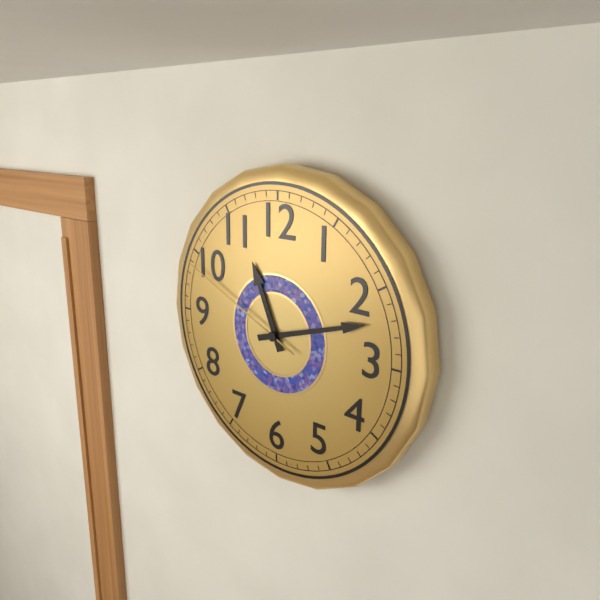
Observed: 11.12.49
